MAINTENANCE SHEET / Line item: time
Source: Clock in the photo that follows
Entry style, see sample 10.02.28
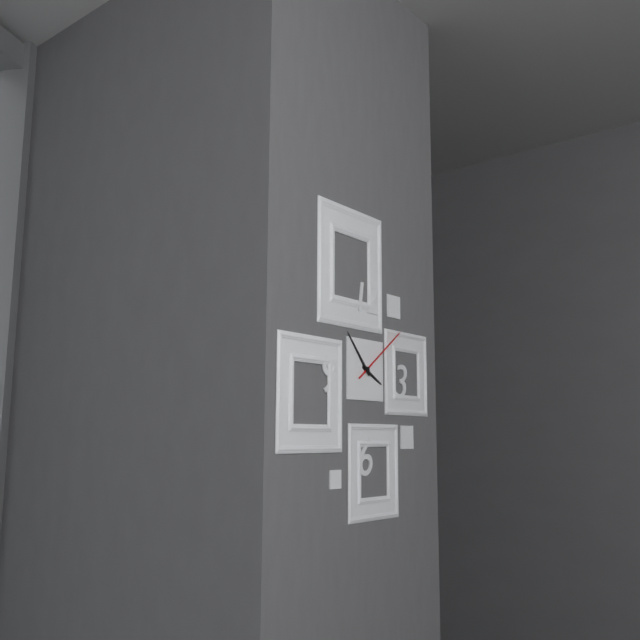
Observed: 3.53.09
